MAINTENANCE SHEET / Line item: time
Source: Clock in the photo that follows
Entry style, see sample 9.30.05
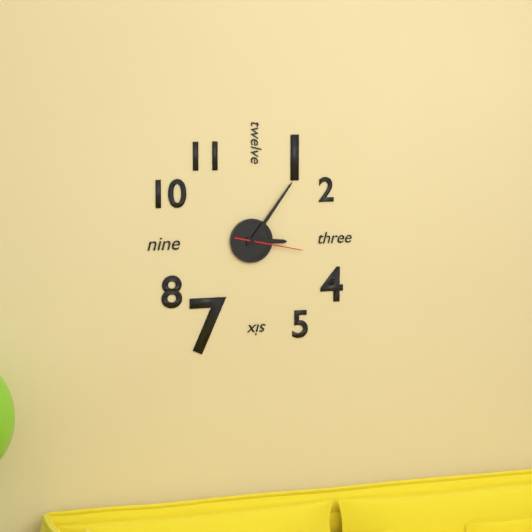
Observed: 3.06.17
